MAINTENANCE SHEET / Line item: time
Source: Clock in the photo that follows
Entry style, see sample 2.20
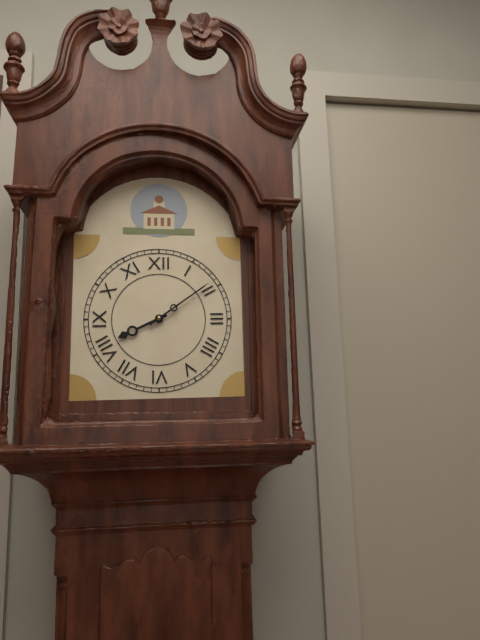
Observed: 8.09
